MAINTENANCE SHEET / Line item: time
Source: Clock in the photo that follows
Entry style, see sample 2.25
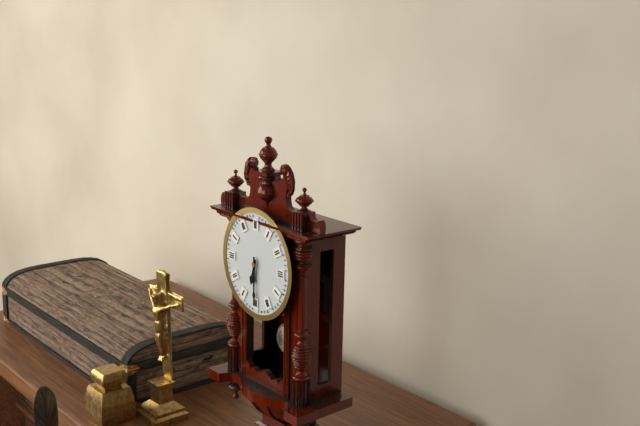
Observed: 6.30
